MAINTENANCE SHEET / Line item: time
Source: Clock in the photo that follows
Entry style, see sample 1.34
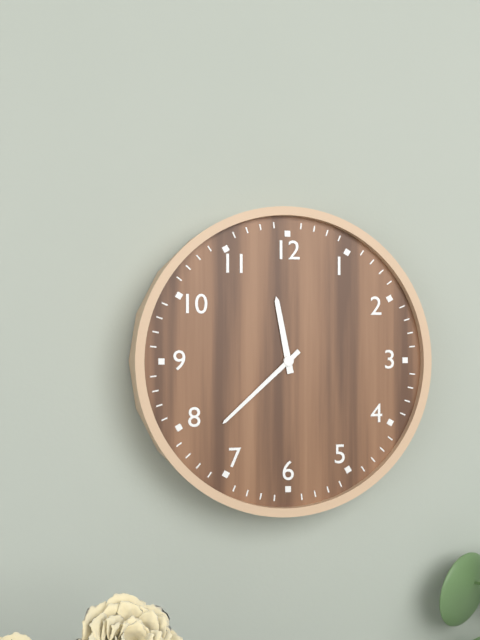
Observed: 11.38
